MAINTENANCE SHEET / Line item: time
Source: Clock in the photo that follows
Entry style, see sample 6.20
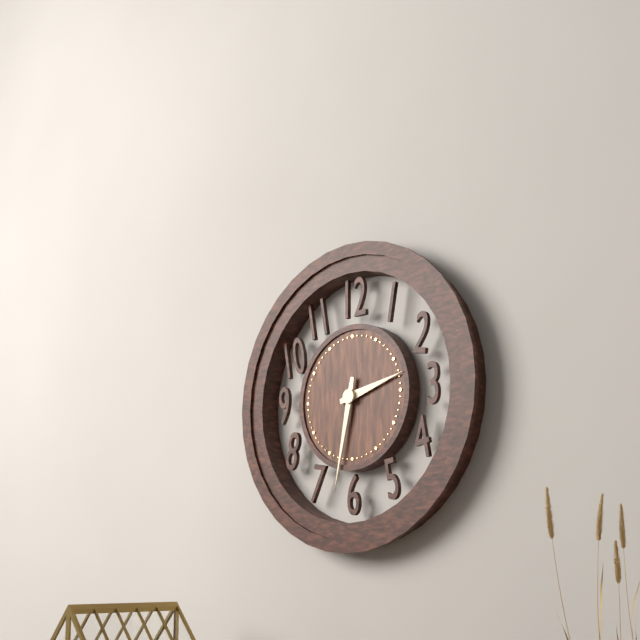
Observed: 2.32
